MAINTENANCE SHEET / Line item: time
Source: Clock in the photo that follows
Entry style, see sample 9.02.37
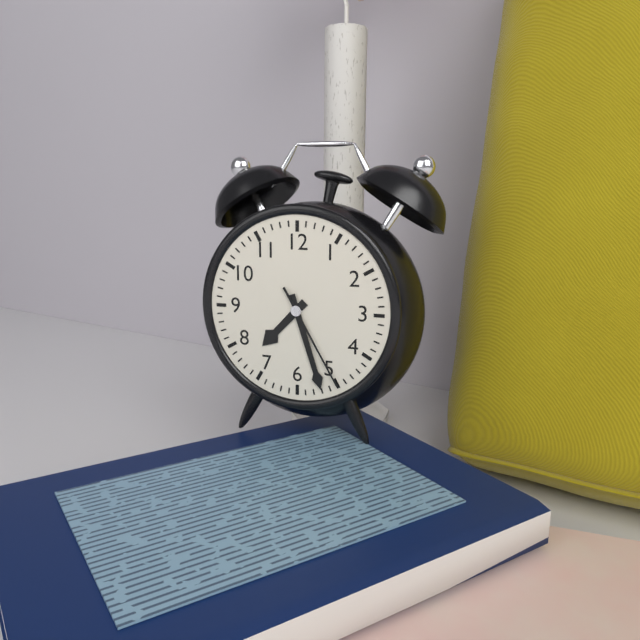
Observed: 7.27.25
